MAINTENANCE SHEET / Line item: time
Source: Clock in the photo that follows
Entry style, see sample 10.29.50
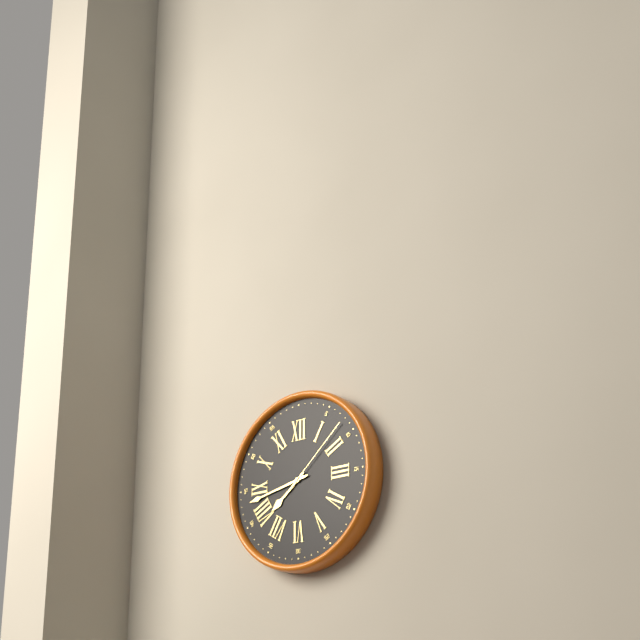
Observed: 7.43.08
